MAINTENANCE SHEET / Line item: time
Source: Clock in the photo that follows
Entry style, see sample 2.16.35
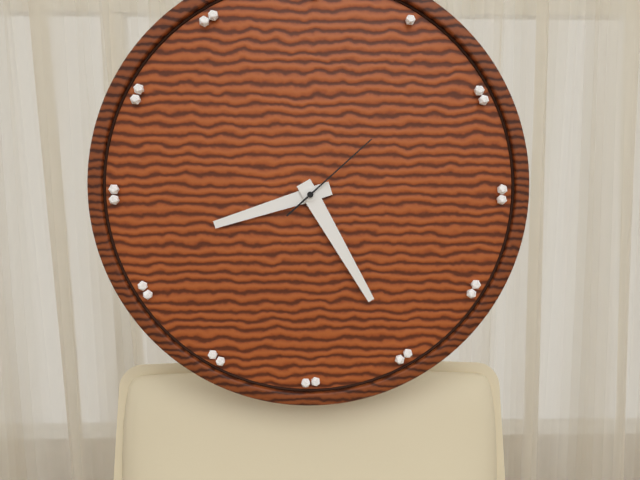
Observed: 8.25.08
